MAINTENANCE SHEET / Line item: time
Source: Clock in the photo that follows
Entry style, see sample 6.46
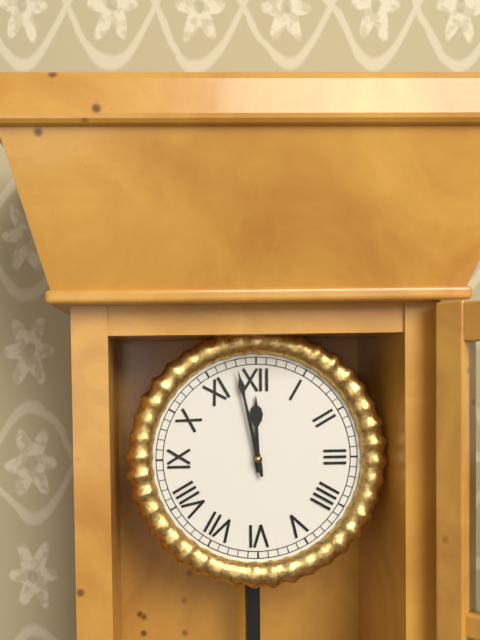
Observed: 11.58
